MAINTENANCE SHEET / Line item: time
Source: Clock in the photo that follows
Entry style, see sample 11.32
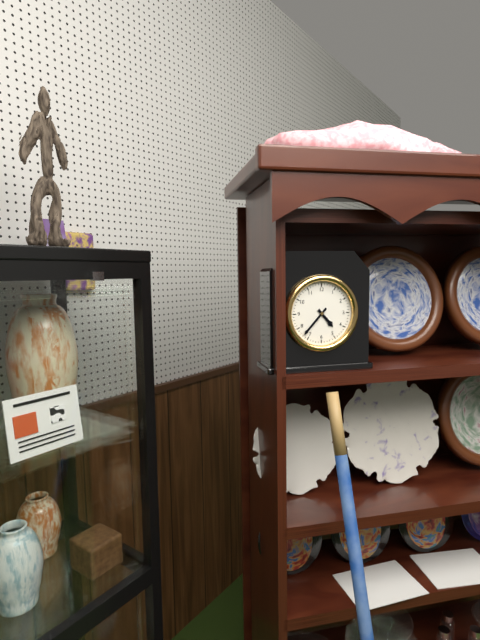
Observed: 4.37
